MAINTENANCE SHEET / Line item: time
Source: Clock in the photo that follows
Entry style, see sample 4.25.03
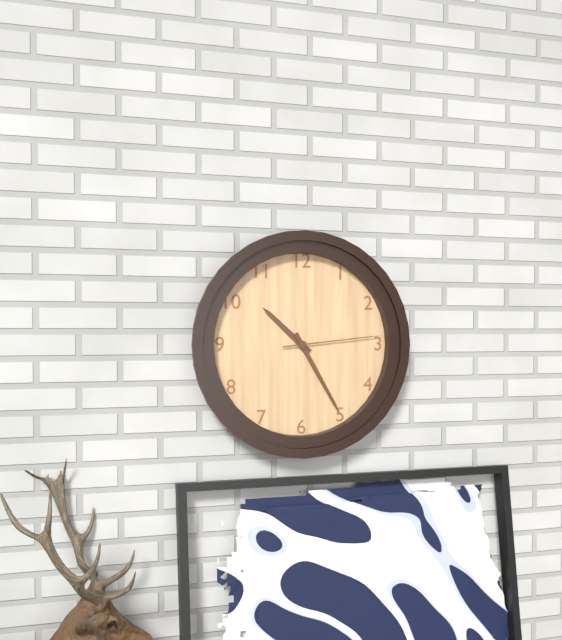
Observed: 10.25.14
